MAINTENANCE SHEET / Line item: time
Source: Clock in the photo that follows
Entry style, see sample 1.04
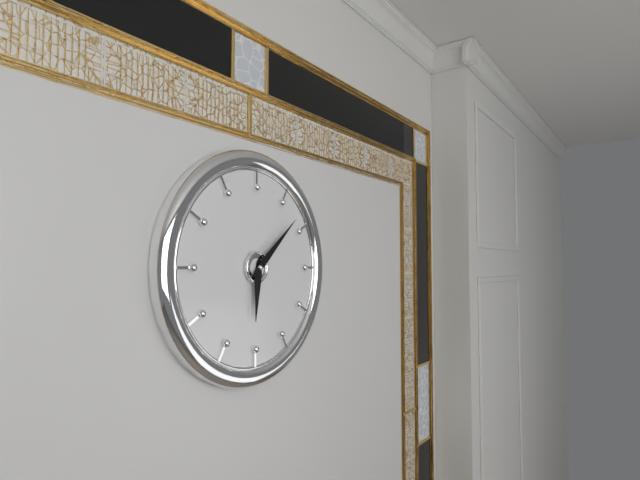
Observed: 6.08
